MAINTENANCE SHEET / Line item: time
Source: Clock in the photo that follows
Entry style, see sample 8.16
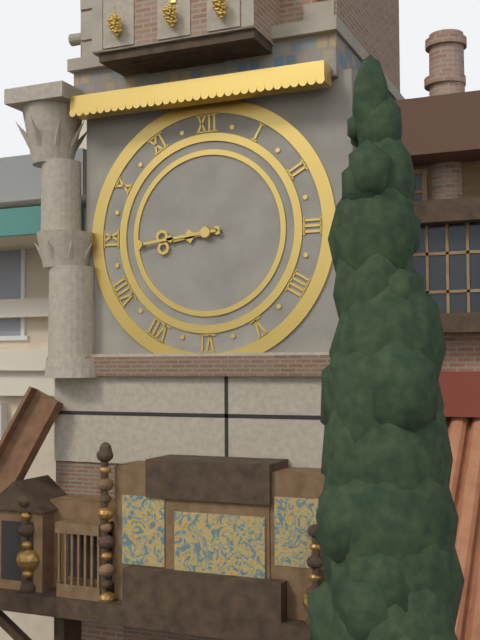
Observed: 8.44
